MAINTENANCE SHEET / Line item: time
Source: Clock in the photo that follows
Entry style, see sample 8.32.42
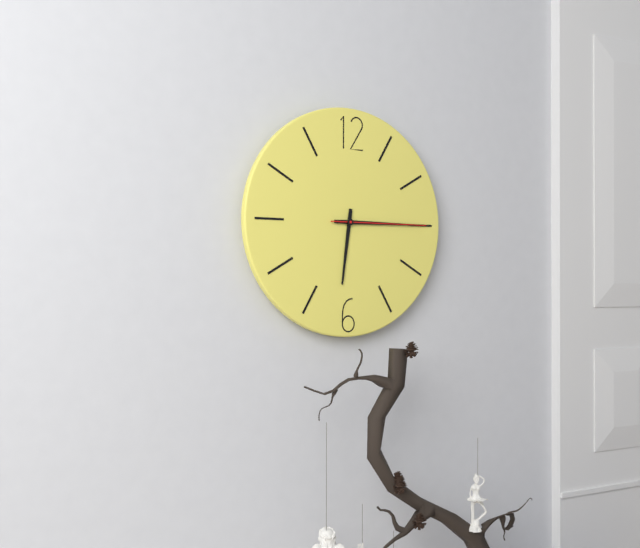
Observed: 6.15.15
